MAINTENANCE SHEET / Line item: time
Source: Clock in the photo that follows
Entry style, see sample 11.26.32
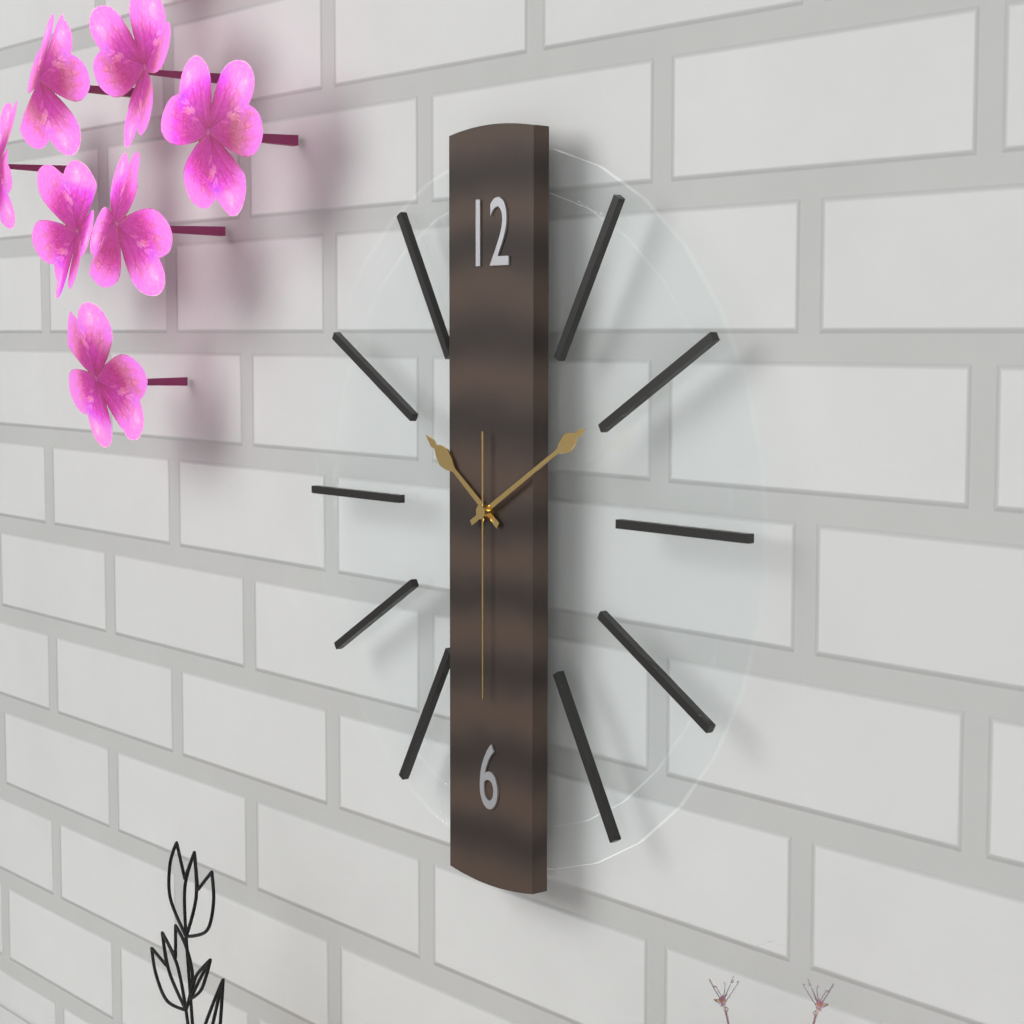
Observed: 10.10.30
